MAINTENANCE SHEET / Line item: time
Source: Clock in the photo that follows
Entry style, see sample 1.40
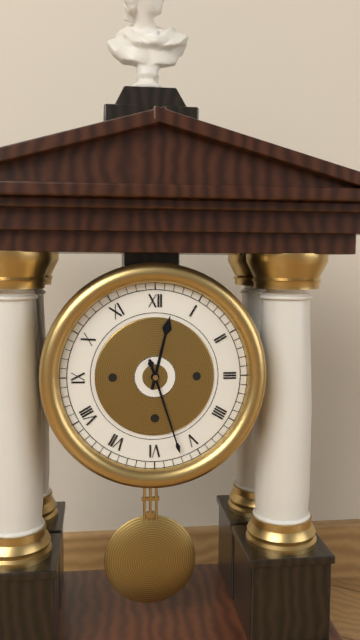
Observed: 12.27
